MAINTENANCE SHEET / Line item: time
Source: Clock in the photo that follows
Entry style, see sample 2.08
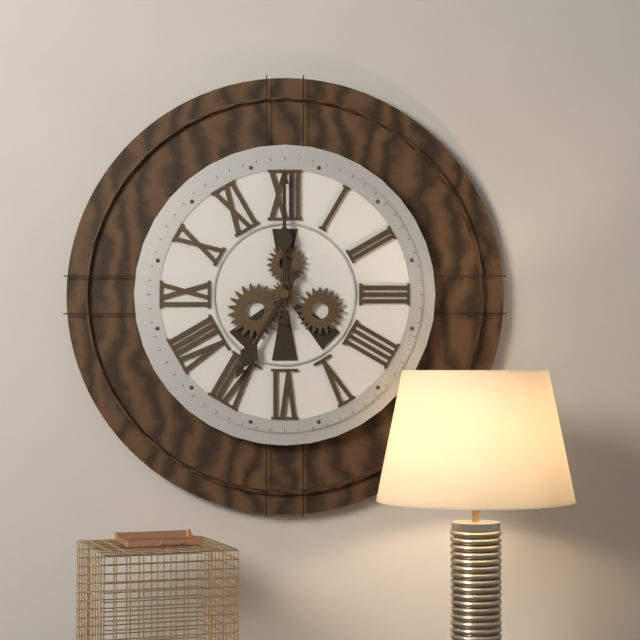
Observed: 7.00
